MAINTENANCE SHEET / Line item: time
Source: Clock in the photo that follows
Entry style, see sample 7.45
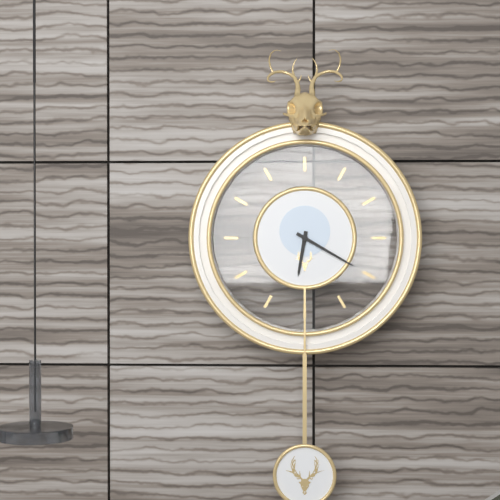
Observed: 6.20
